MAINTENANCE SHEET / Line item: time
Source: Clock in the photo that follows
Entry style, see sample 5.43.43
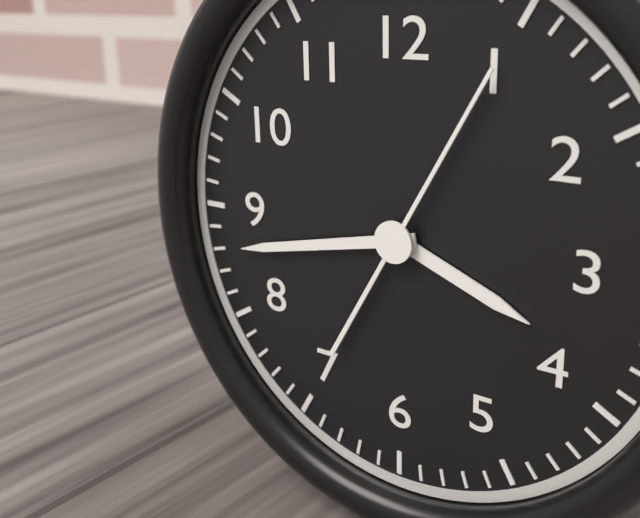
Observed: 3.43.05
